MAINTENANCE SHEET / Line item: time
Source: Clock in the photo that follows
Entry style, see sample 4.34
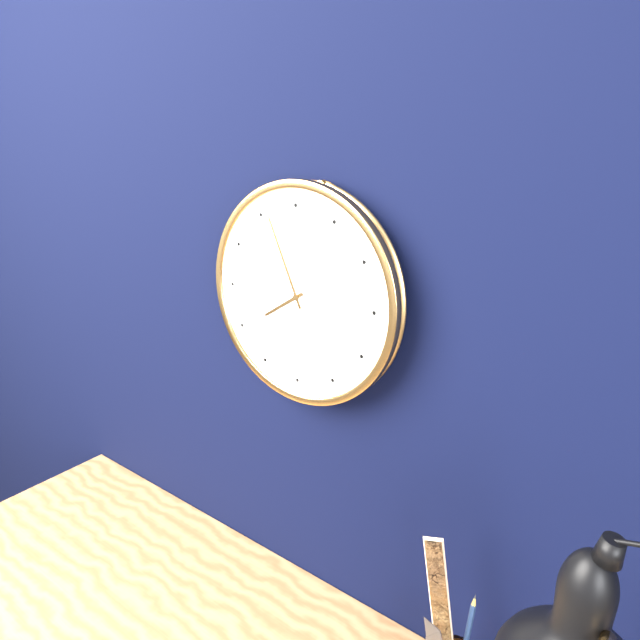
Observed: 7.56
